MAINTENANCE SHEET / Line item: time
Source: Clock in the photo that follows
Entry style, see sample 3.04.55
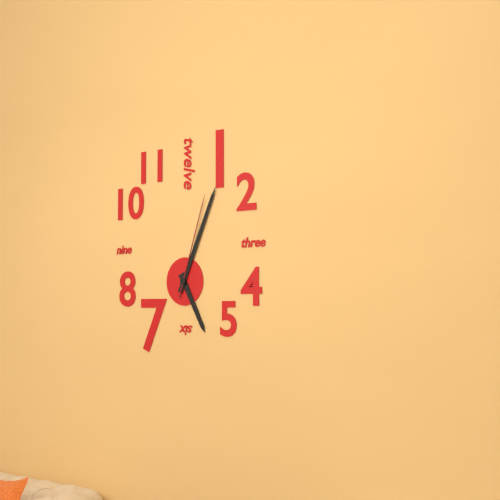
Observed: 5.04.03
